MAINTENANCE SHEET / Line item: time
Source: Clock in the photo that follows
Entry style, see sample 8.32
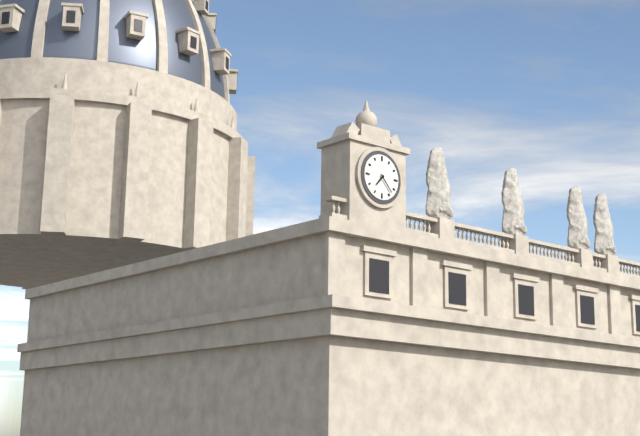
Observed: 7.23
